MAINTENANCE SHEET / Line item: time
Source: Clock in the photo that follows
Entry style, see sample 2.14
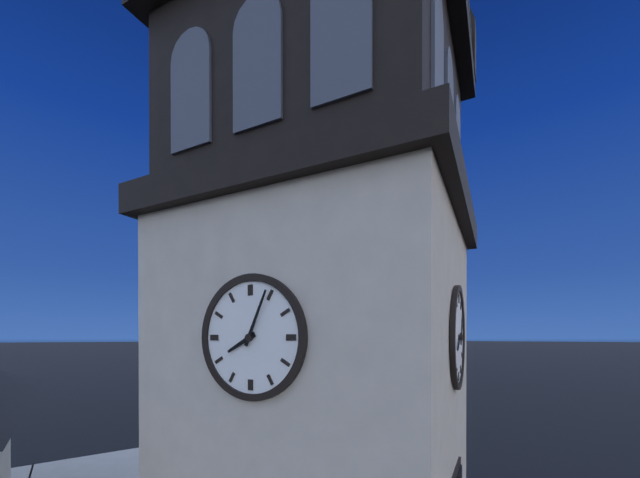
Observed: 8.04
